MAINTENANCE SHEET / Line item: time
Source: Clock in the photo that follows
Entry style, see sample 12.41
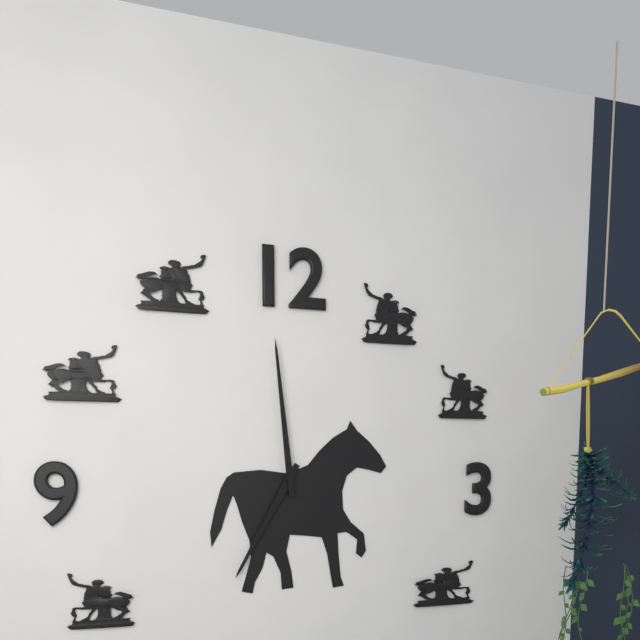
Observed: 6.59
